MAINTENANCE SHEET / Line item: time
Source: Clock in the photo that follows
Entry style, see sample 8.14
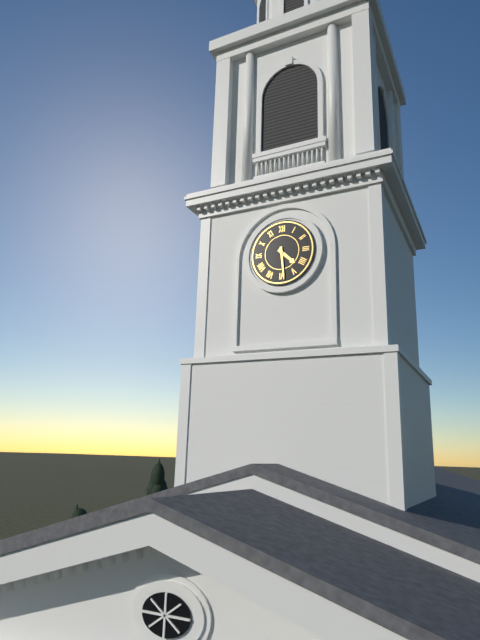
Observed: 4.29
